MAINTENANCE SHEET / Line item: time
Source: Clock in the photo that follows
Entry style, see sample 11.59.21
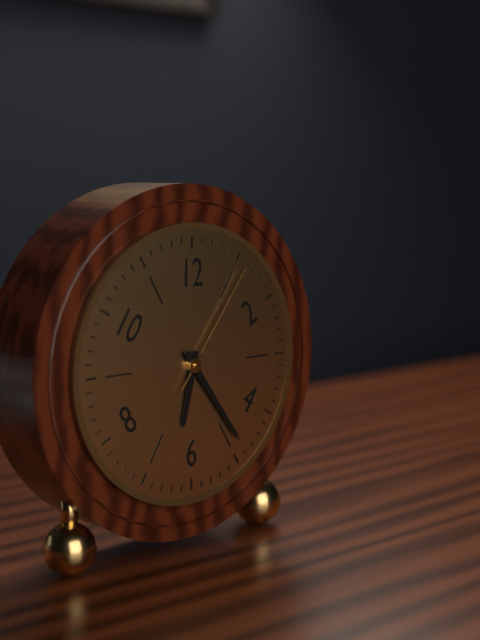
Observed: 6.24.06
